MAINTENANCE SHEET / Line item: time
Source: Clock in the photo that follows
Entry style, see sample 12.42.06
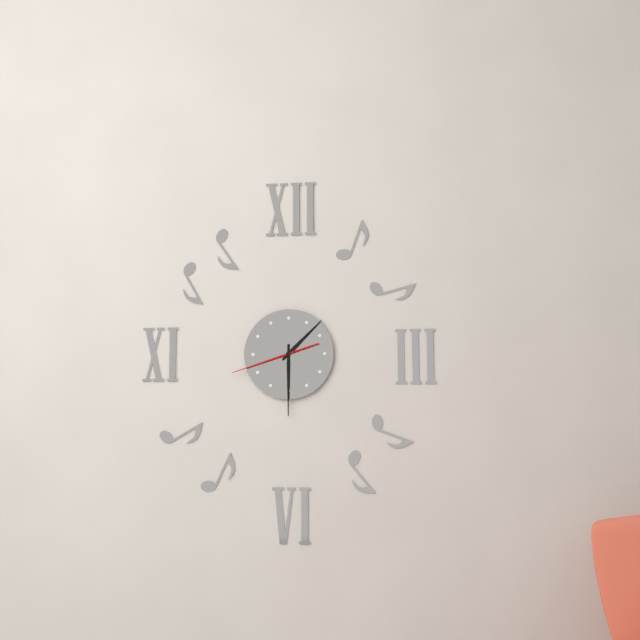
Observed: 1.30.42
